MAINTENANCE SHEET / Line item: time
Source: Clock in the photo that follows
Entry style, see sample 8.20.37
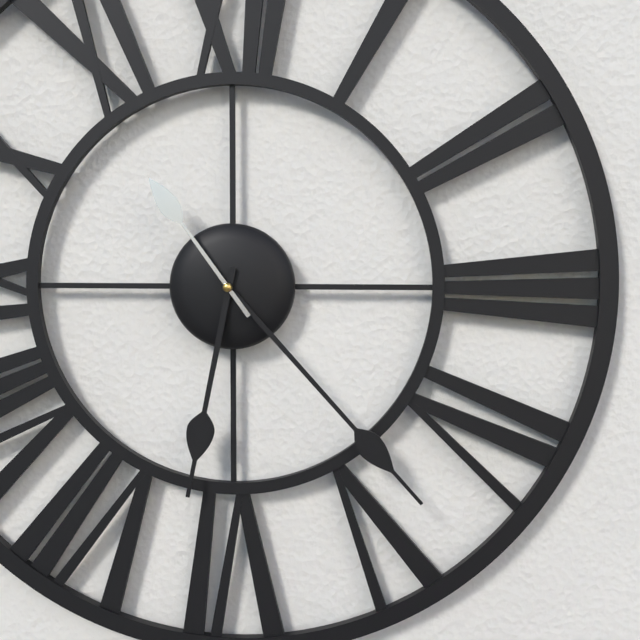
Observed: 6.23.54
